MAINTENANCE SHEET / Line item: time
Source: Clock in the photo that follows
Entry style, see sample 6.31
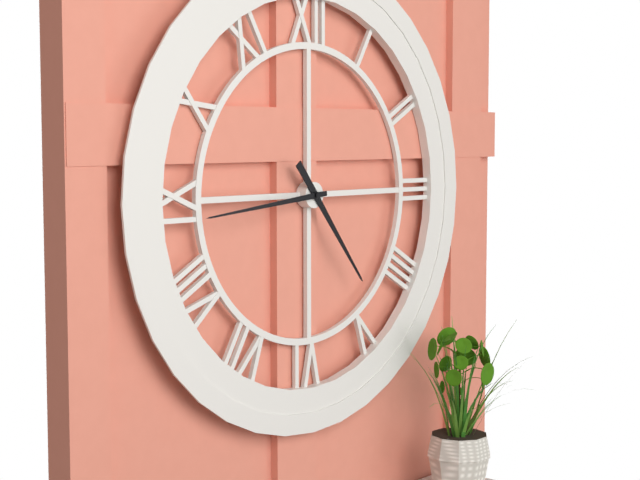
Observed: 4.44
